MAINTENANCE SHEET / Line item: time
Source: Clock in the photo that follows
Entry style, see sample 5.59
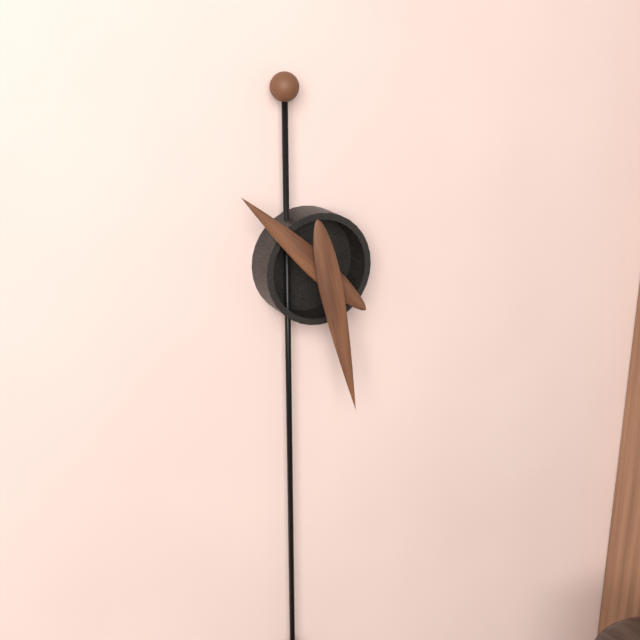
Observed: 10.28
